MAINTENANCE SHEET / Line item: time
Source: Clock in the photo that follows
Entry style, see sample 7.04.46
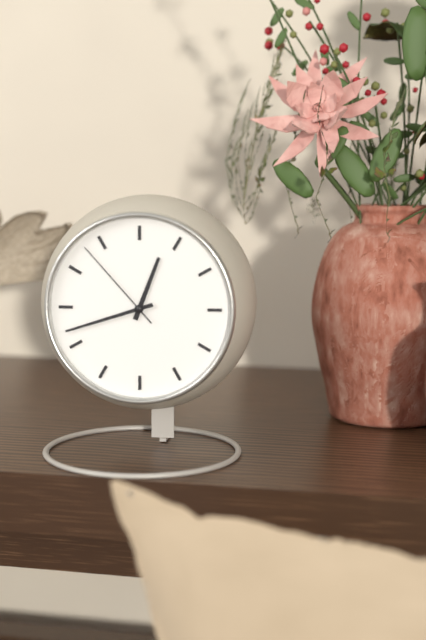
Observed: 12.42.53
